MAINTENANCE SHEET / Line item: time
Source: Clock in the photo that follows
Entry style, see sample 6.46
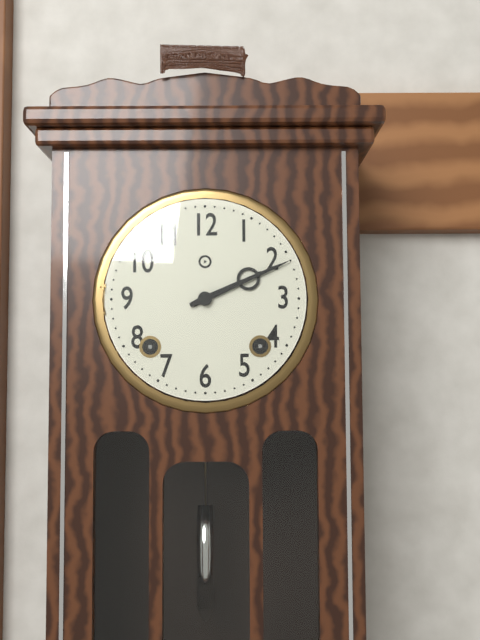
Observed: 2.11
